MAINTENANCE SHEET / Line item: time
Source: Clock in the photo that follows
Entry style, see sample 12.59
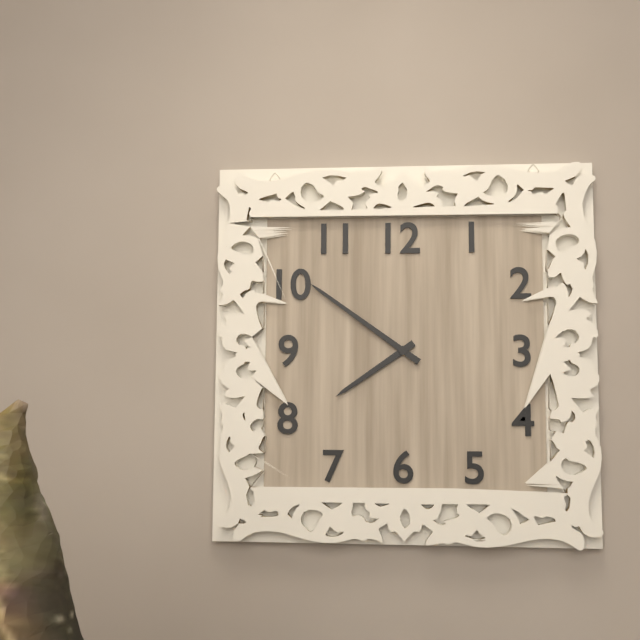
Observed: 7.51
